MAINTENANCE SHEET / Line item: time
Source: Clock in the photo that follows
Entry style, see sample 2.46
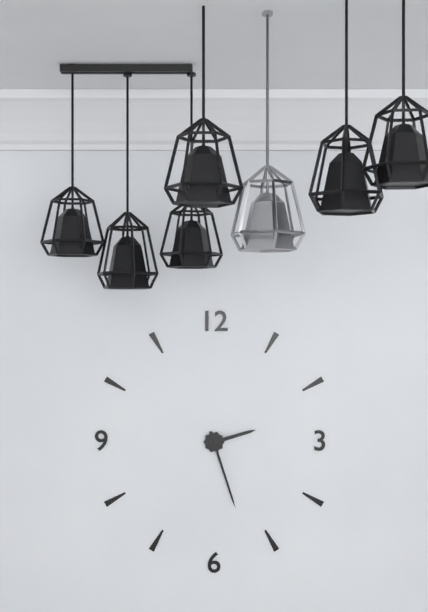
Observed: 2.27
